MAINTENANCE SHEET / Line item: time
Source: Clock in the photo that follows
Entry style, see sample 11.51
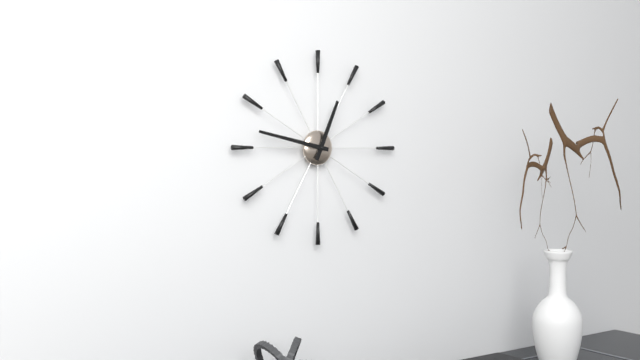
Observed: 12.47
